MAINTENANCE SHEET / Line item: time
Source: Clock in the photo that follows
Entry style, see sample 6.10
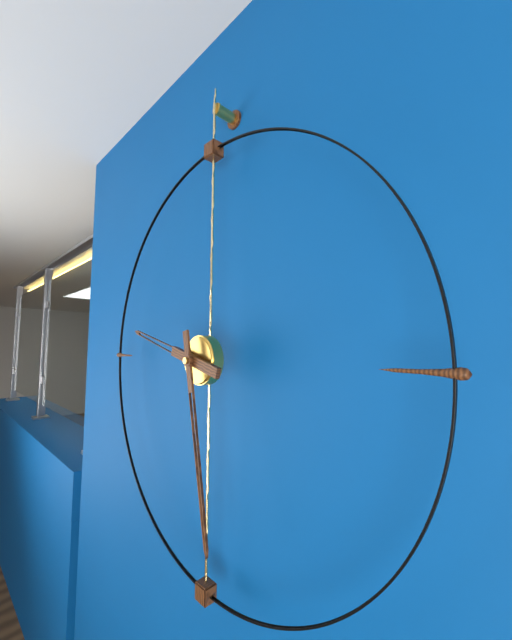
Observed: 9.28
